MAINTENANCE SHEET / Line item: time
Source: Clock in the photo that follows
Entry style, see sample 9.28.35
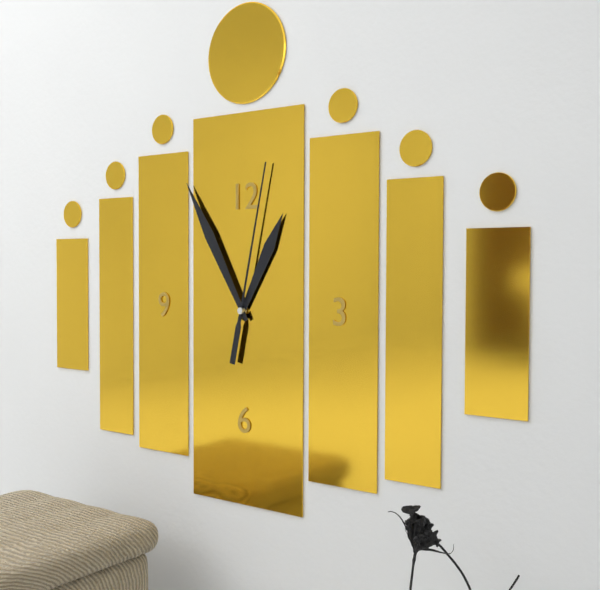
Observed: 12.55.02
